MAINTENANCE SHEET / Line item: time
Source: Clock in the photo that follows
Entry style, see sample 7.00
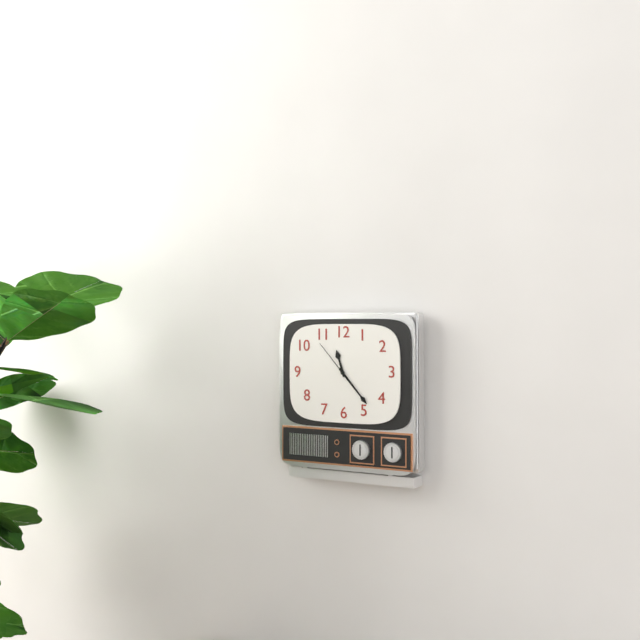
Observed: 11.23
